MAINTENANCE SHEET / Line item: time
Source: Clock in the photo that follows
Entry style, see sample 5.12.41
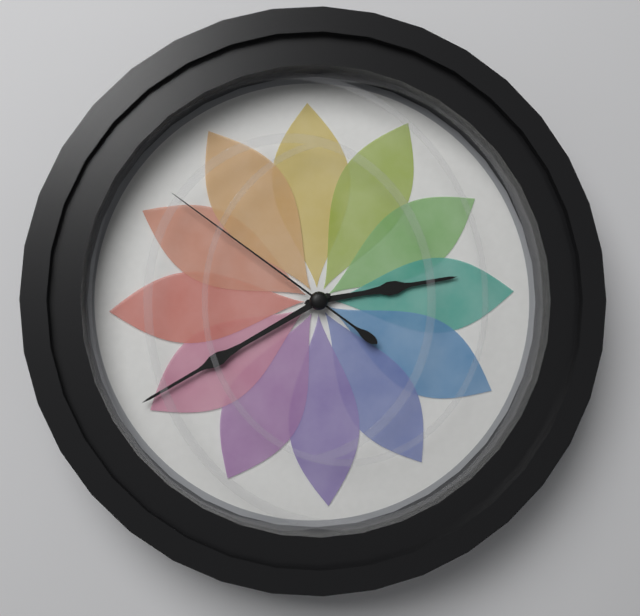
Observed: 2.40.51
